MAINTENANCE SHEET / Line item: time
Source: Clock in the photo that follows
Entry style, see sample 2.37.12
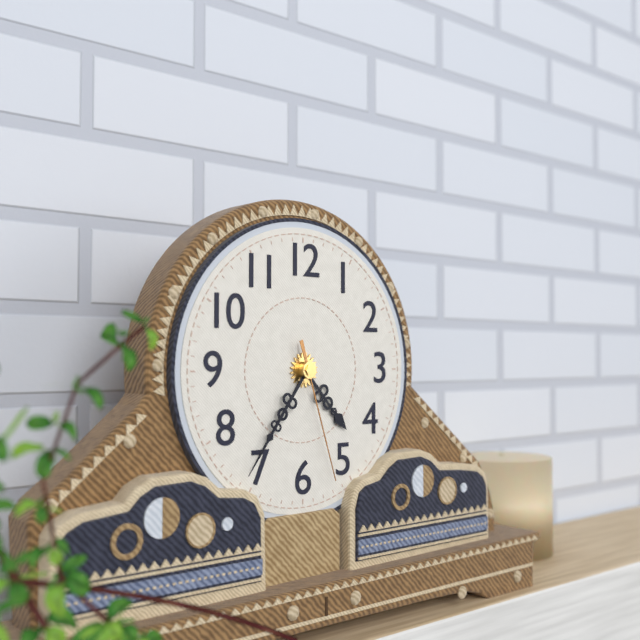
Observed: 4.36.27
